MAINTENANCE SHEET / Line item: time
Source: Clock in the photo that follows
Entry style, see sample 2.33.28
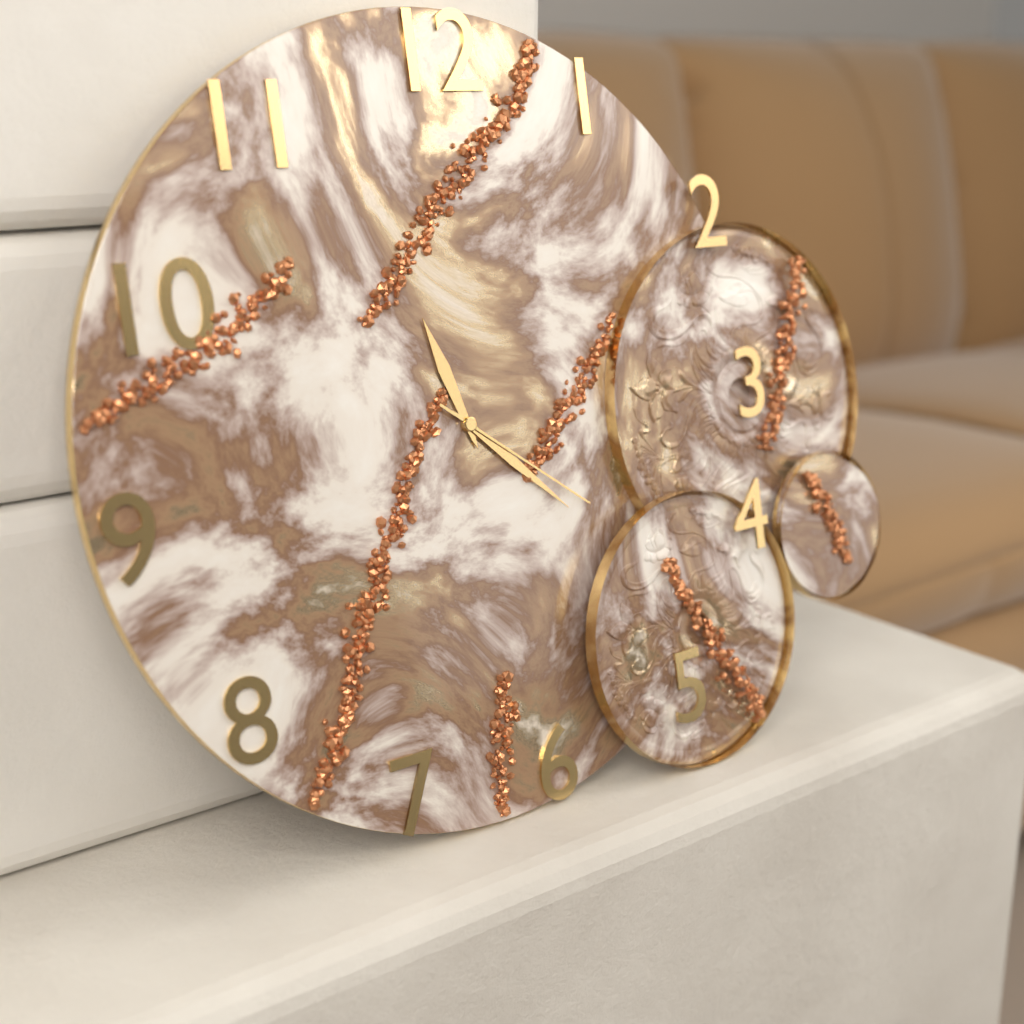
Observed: 11.22.21
